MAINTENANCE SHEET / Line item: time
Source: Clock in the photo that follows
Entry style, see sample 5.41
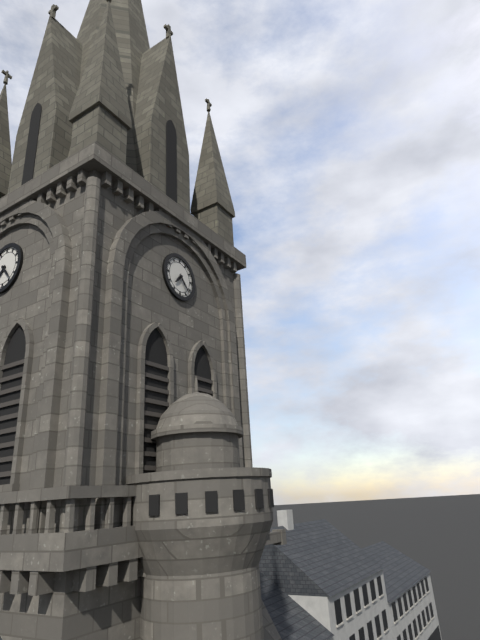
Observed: 7.23
